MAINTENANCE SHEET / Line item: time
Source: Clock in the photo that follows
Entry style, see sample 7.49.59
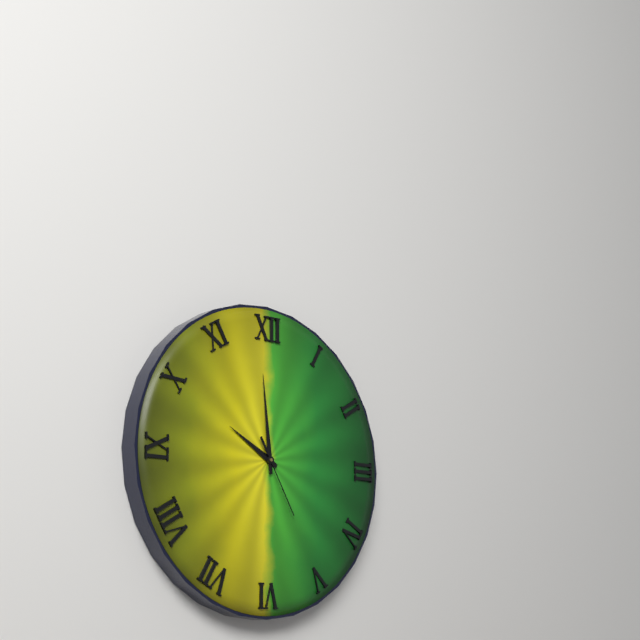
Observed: 9.59.25
